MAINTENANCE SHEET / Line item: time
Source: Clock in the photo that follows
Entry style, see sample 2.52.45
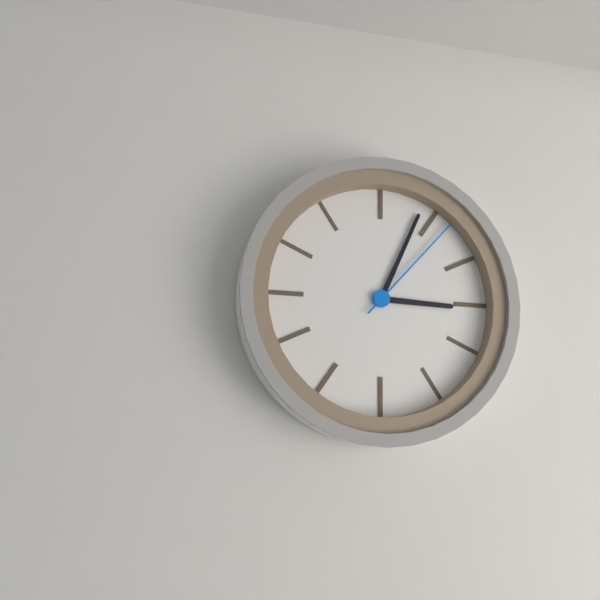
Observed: 3.04.07
